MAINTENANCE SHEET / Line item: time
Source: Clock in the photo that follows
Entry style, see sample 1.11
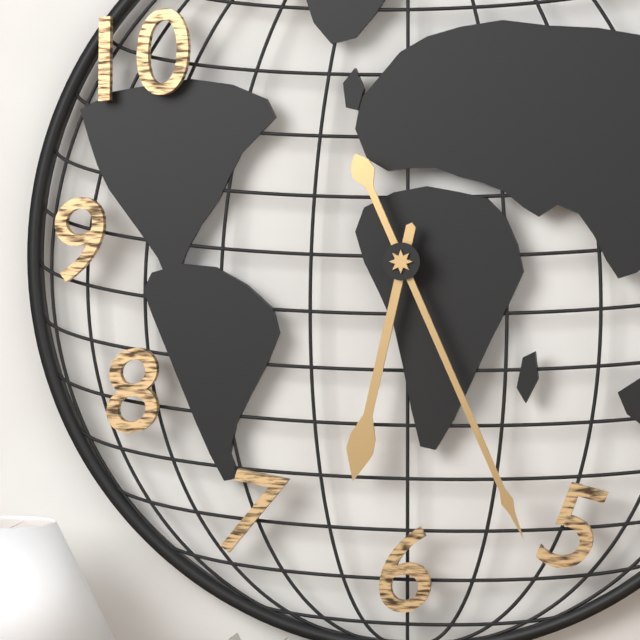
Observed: 6.26
